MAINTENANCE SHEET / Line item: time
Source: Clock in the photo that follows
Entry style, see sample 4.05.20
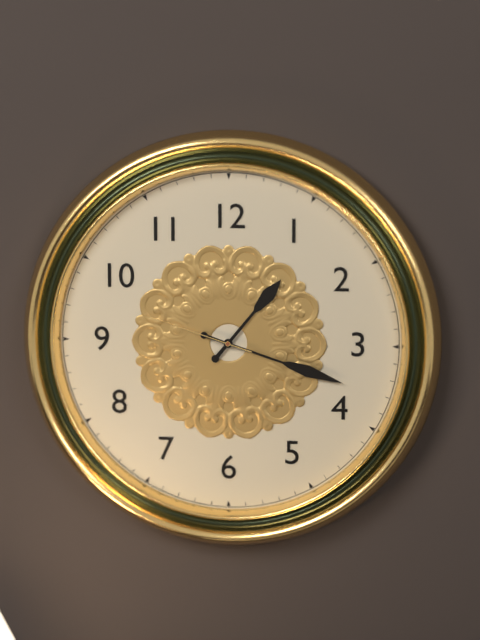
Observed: 1.18.48
